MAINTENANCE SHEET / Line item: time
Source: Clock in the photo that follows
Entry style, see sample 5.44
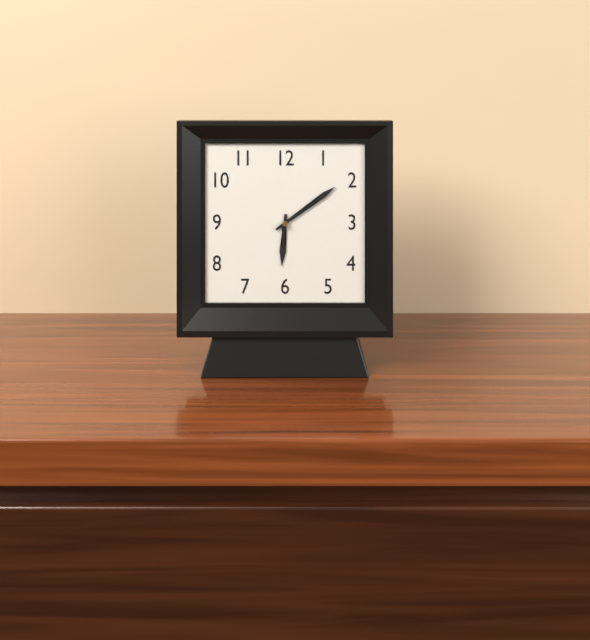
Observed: 6.09
